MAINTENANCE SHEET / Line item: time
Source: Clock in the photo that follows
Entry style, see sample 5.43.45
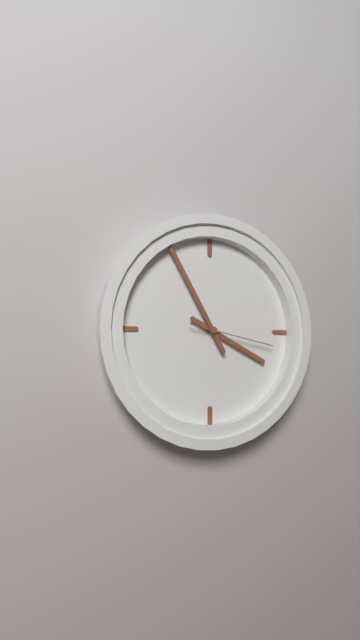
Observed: 3.55.17
